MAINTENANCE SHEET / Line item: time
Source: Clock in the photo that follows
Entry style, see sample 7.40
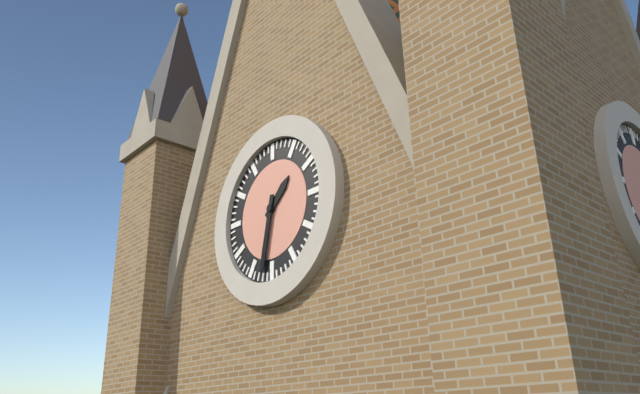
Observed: 1.32
